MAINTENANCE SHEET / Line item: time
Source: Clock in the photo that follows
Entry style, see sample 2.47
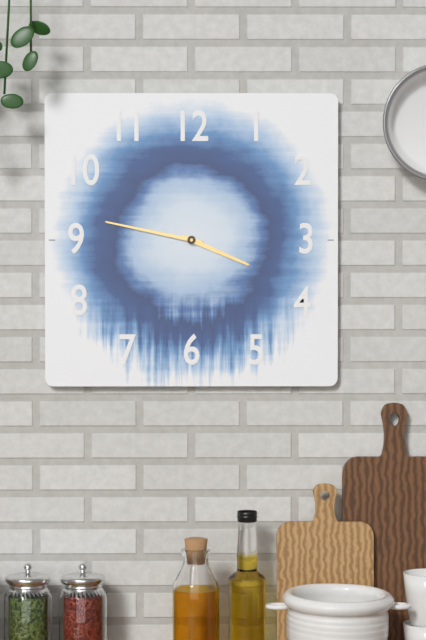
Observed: 3.47
